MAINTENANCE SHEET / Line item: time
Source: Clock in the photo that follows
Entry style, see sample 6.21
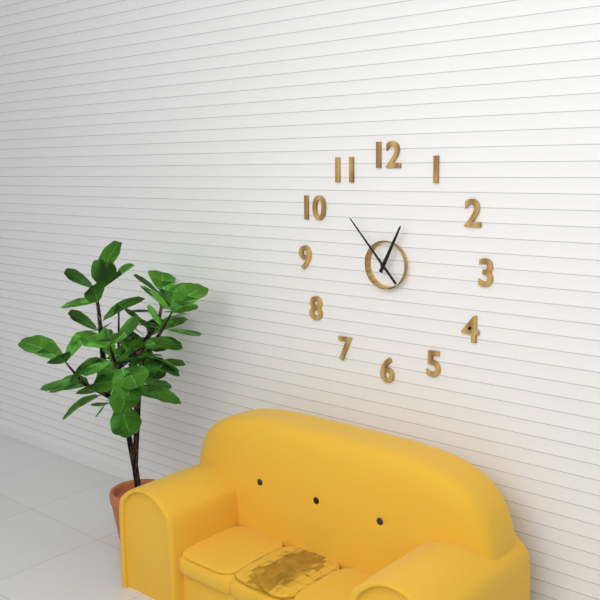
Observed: 12.53
